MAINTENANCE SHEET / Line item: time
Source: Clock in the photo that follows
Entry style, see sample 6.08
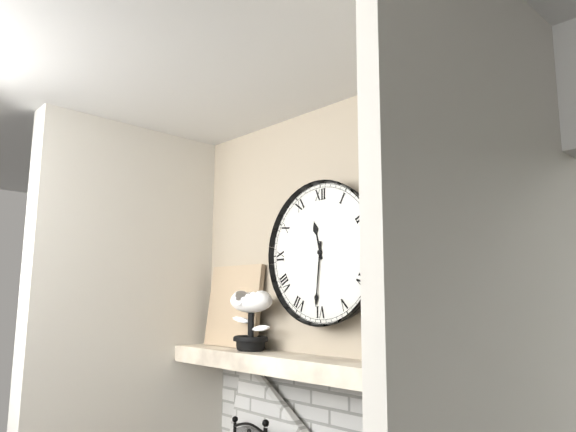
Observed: 11.31
